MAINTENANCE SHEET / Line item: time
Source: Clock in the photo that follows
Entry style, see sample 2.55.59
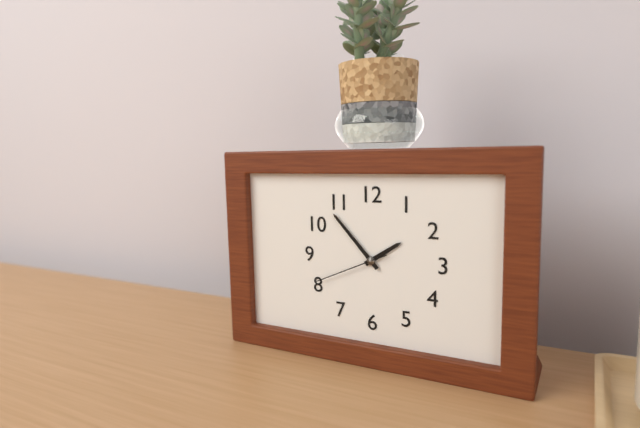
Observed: 1.53.41
